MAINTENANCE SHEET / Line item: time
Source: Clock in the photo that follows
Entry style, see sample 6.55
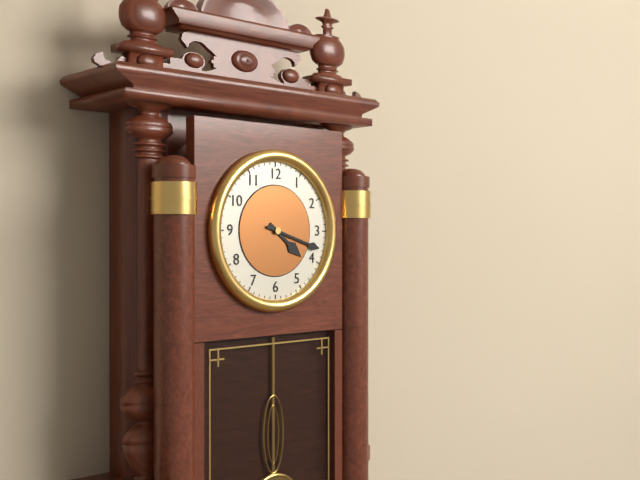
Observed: 4.18
